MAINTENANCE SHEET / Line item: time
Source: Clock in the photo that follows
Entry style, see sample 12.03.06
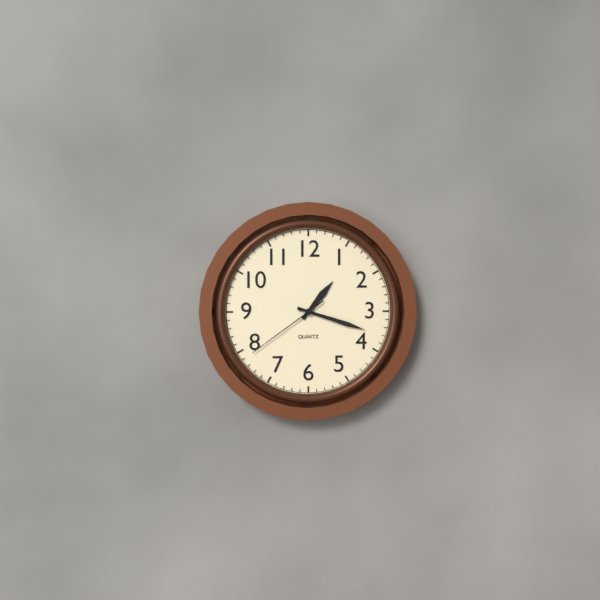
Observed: 1.18.39
